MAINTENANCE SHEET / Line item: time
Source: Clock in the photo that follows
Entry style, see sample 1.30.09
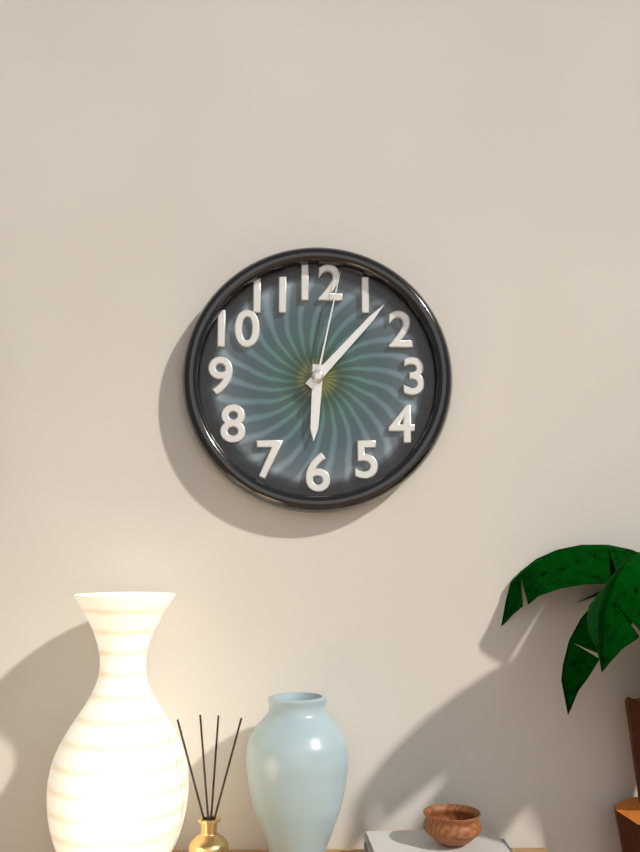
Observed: 6.07.02
